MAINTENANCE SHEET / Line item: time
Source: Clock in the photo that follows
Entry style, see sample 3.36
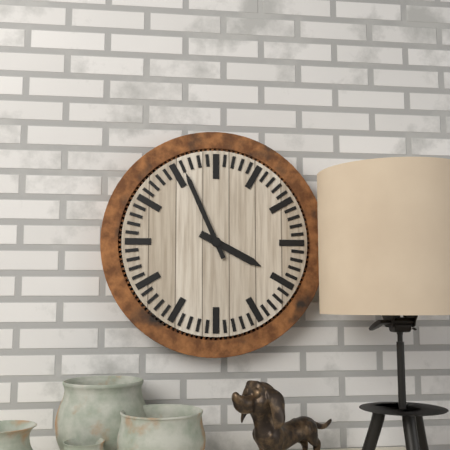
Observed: 3.56
